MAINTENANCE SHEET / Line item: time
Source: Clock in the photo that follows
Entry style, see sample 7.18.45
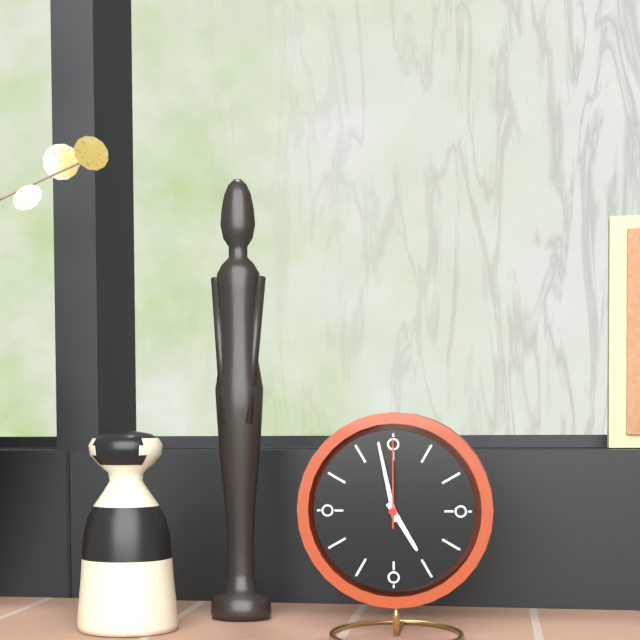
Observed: 4.58.00
